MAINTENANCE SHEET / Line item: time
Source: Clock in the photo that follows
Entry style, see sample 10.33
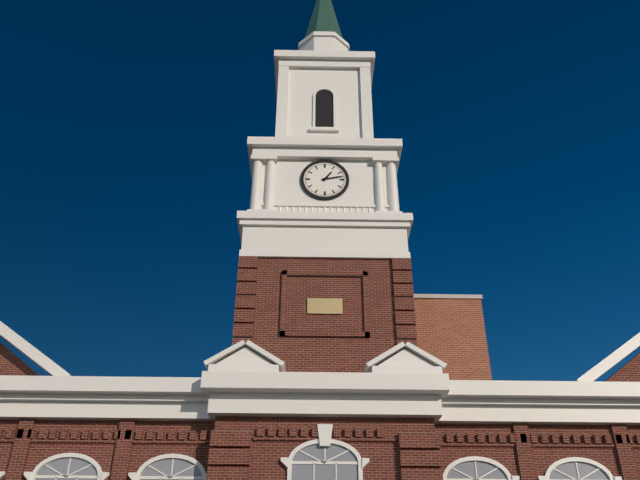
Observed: 1.13
